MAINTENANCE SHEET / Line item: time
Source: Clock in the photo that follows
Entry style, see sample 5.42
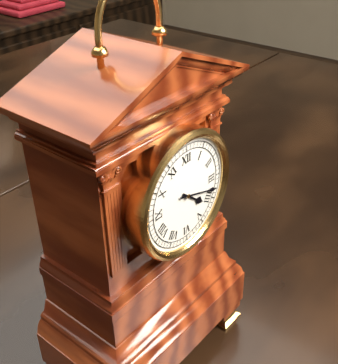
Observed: 4.18
